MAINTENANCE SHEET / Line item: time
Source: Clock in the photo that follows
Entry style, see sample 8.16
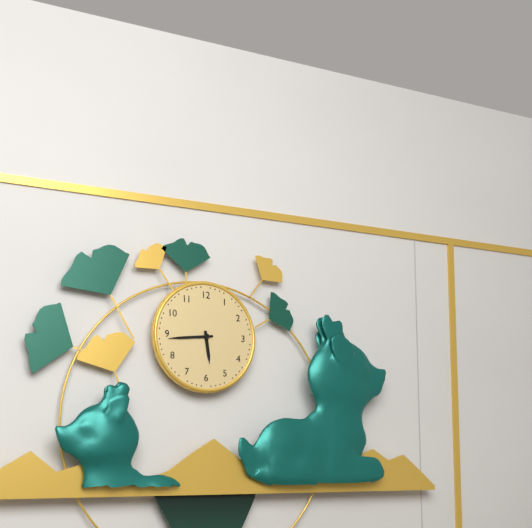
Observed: 5.44
